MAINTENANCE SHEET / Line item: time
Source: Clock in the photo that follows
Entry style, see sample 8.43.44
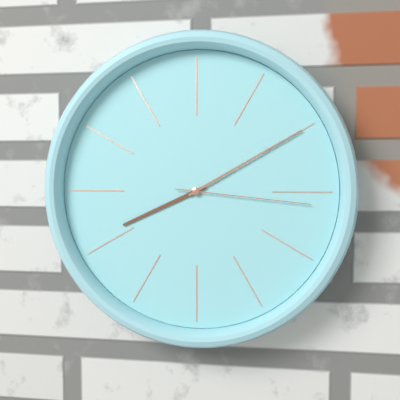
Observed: 8.10.16
